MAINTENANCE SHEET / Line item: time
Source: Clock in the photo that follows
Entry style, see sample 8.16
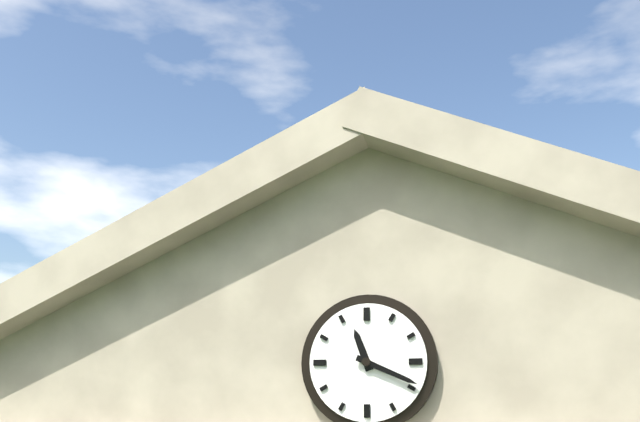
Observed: 11.19
